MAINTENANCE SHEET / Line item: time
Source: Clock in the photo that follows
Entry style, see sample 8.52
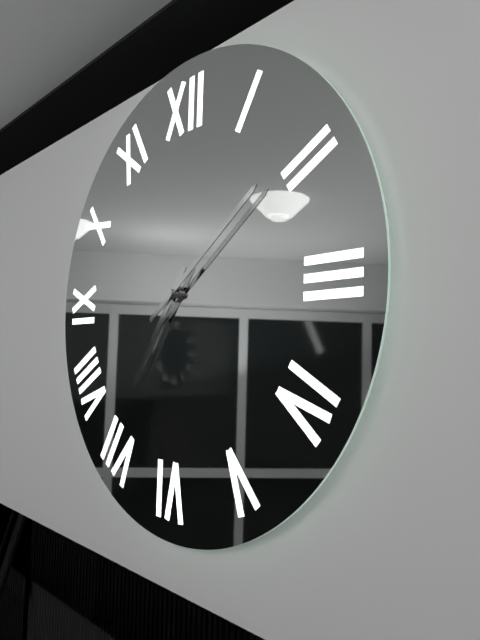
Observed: 7.09
